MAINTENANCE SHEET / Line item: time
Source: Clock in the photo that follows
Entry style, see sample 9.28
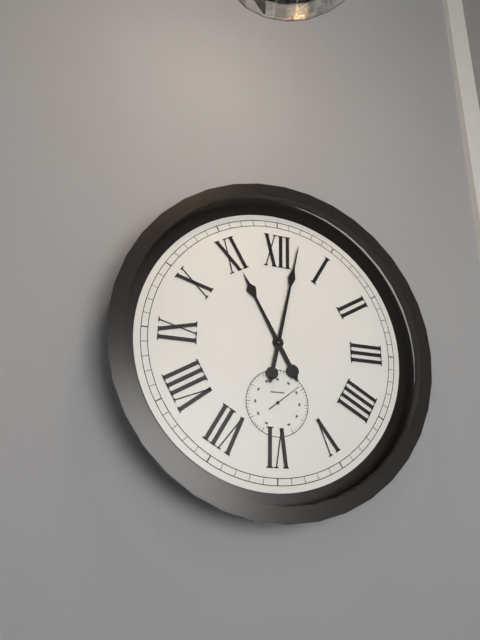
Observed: 11.02
